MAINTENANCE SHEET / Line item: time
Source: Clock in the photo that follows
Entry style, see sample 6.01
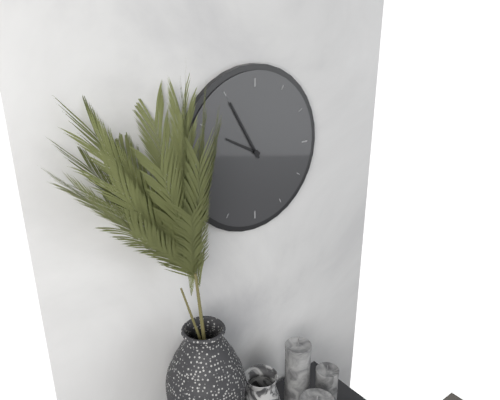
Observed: 9.55
